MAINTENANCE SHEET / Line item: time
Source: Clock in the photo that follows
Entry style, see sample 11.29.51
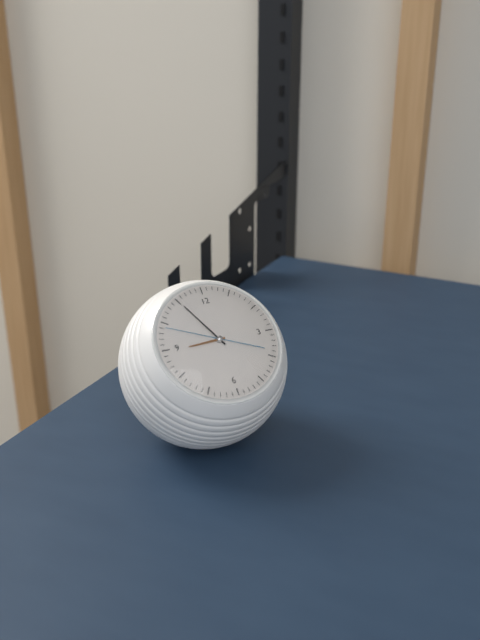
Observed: 8.55.49
